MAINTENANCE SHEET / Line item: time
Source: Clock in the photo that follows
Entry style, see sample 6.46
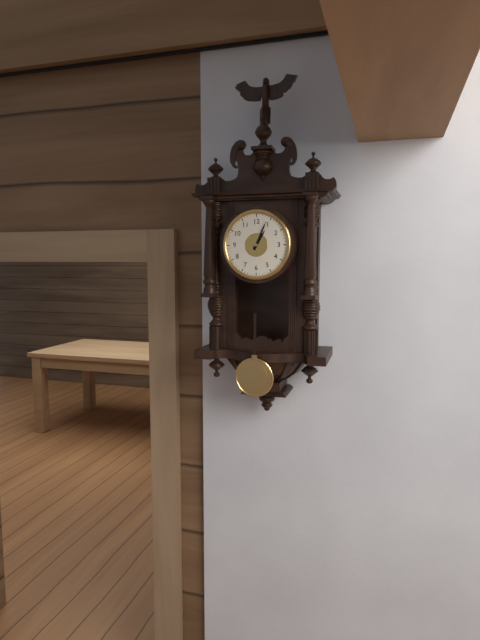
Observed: 1.04
